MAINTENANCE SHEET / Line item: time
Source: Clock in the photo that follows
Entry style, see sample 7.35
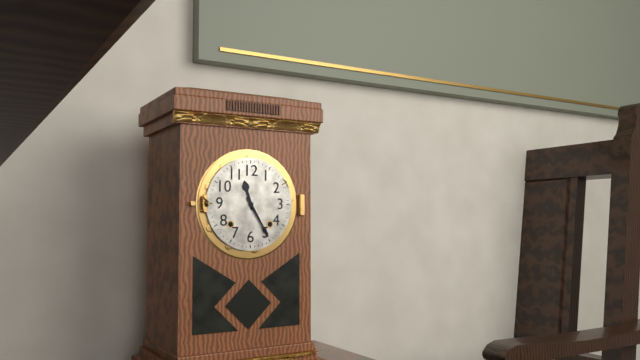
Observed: 11.25
